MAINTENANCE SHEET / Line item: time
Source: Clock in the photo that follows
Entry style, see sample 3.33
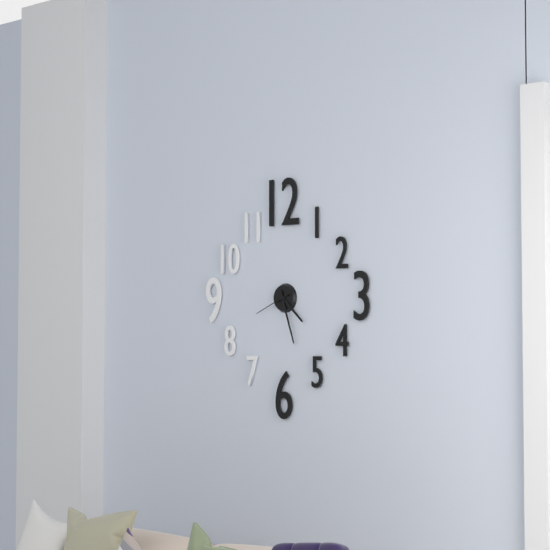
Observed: 4.27
